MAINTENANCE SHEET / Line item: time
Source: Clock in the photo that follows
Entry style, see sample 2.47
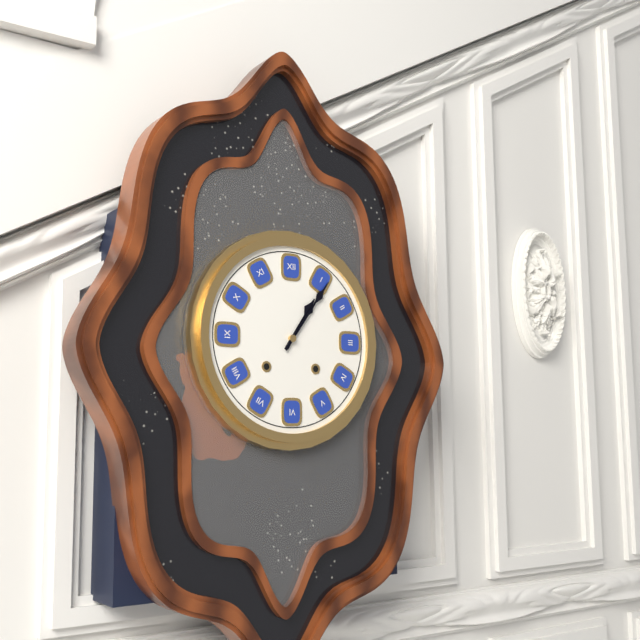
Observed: 1.06
